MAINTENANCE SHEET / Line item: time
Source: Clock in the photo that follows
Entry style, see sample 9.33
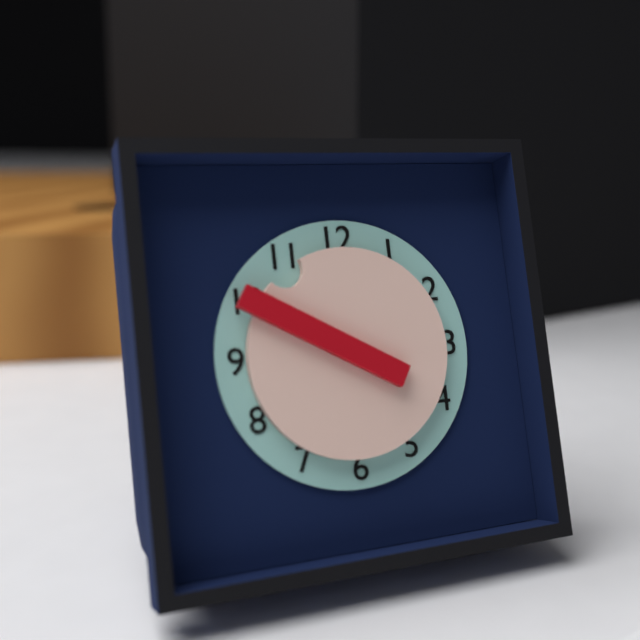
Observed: 10.50
